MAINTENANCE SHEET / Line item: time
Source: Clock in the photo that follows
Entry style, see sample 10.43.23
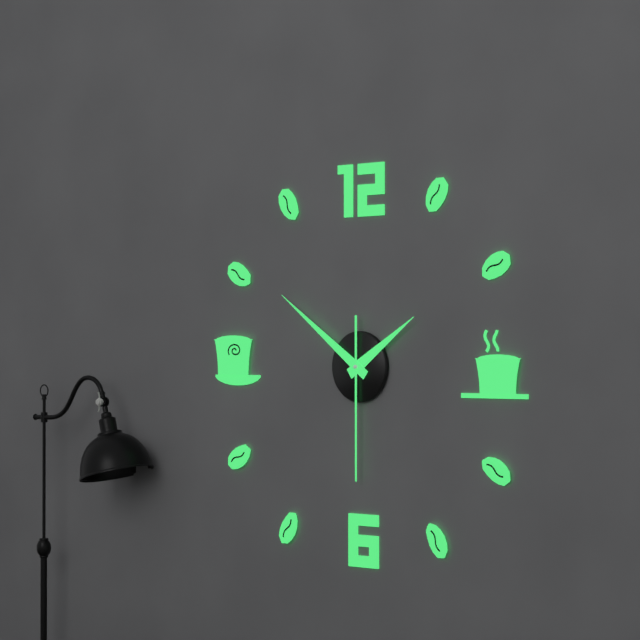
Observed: 1.51.30
